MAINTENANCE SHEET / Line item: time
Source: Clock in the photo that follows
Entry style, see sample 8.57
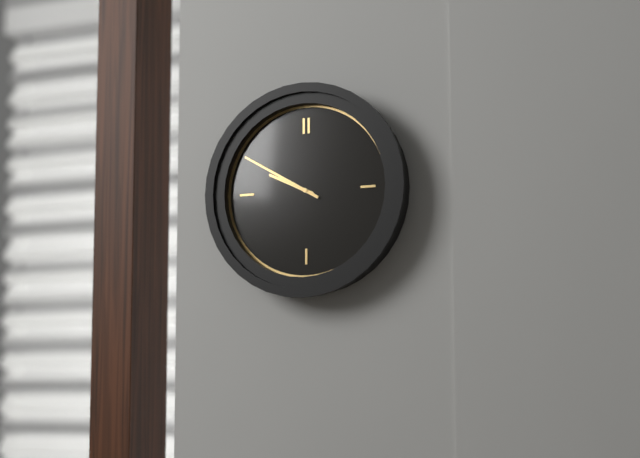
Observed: 9.50
